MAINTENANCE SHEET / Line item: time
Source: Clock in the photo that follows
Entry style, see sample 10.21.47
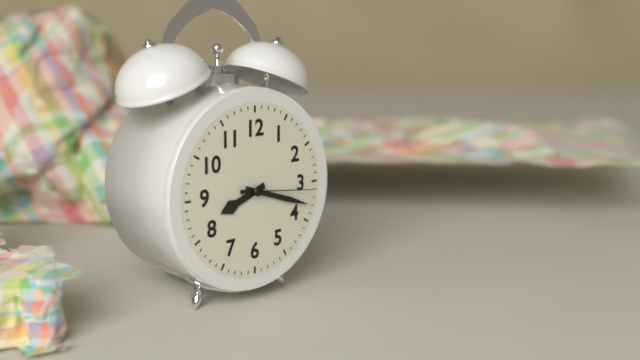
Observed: 8.18.16
